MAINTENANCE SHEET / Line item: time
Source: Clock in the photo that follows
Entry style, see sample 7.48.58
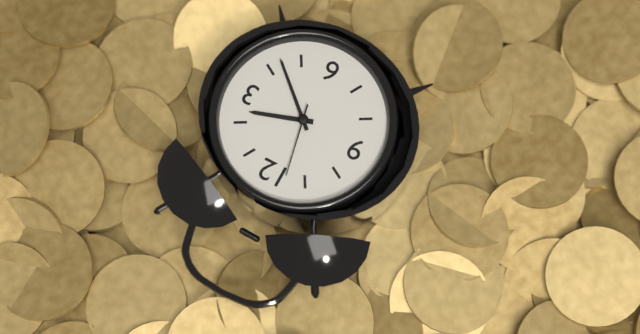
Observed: 2.22.58
